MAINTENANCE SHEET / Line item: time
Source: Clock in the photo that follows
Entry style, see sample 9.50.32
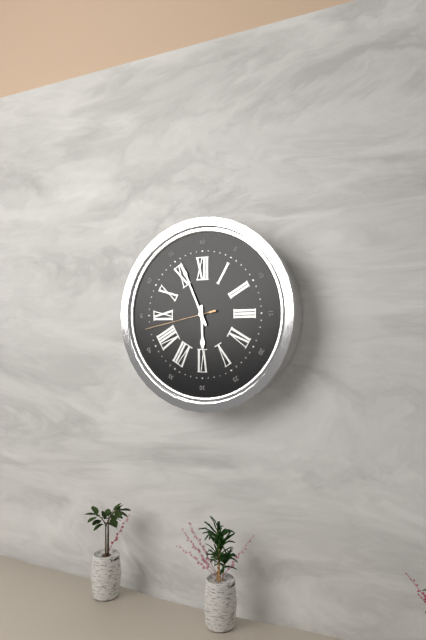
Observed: 5.56.43
